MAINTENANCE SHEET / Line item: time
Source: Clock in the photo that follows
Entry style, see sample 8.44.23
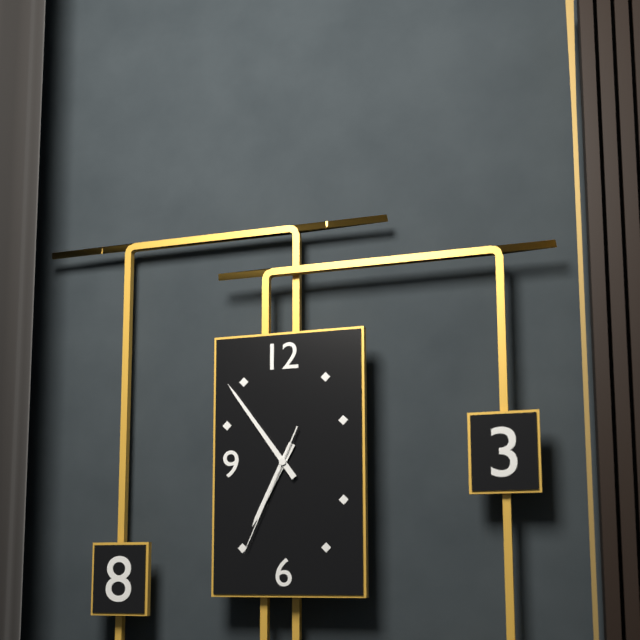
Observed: 6.54.34
